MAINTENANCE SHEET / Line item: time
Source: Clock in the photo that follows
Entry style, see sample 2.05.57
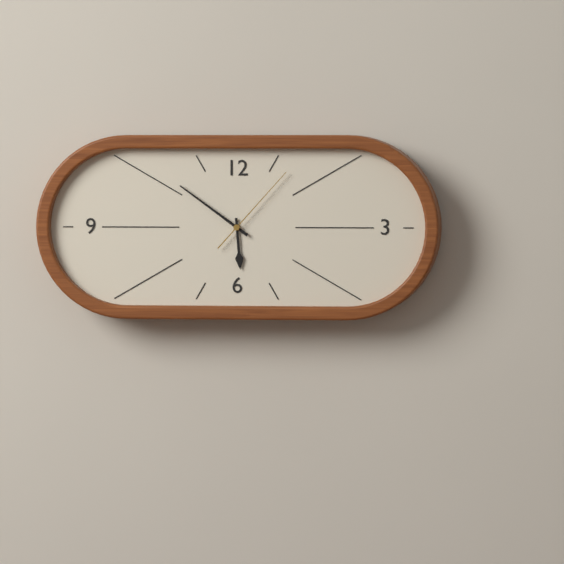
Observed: 5.51.07
